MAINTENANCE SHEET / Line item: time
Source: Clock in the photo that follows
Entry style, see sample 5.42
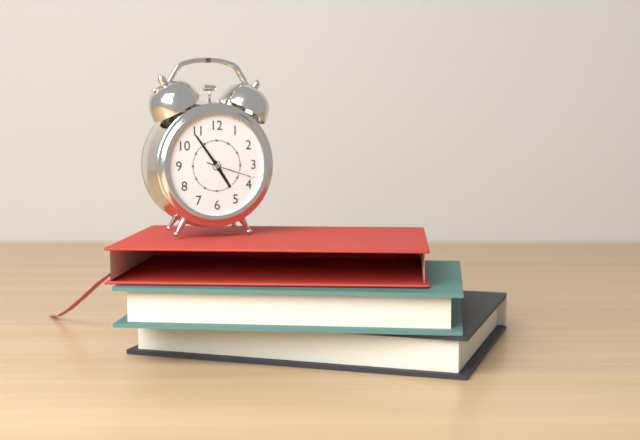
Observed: 4.54
